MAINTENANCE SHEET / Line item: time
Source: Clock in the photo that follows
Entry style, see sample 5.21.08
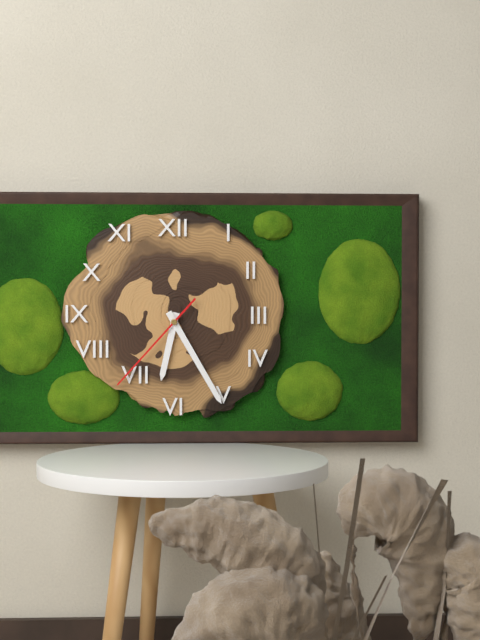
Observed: 6.25.37
